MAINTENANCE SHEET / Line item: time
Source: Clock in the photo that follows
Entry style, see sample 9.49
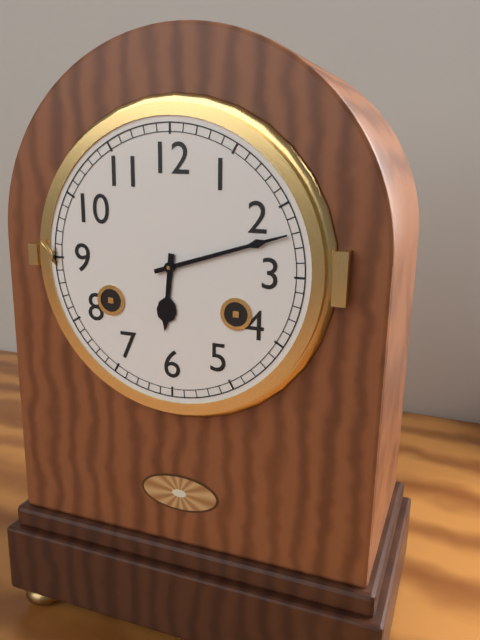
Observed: 6.12
